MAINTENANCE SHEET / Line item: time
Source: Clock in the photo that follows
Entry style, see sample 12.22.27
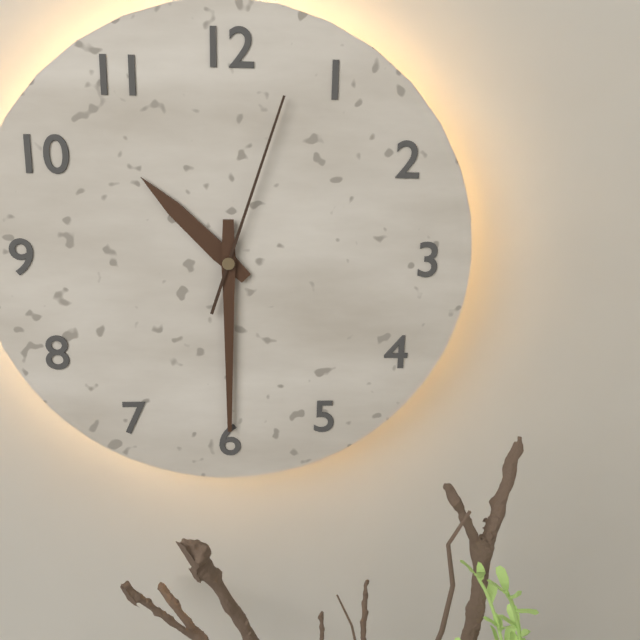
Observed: 10.30.03
